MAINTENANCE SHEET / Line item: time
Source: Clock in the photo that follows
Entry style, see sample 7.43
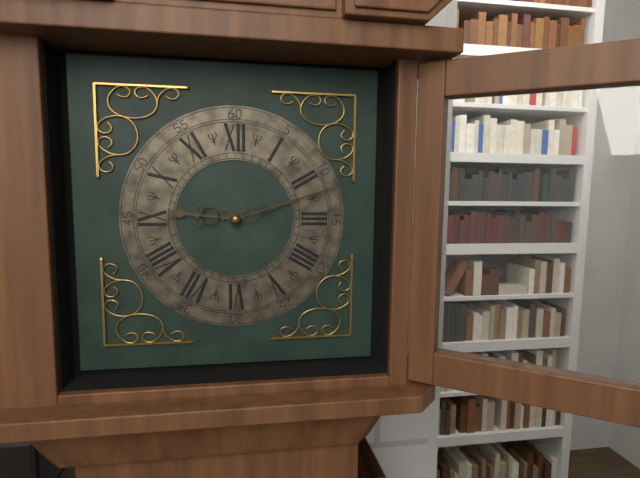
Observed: 9.12
